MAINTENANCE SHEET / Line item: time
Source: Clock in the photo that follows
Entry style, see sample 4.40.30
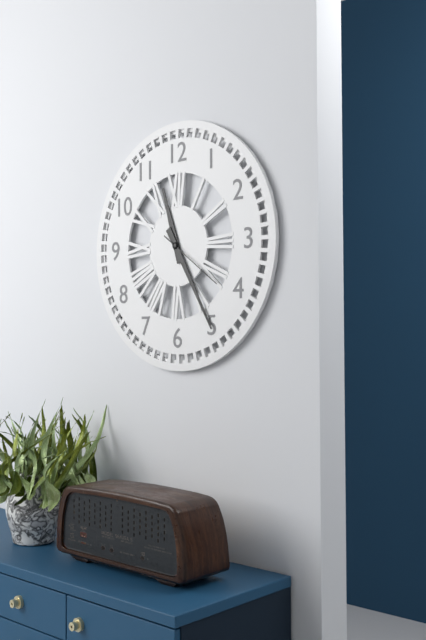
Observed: 11.25.21
